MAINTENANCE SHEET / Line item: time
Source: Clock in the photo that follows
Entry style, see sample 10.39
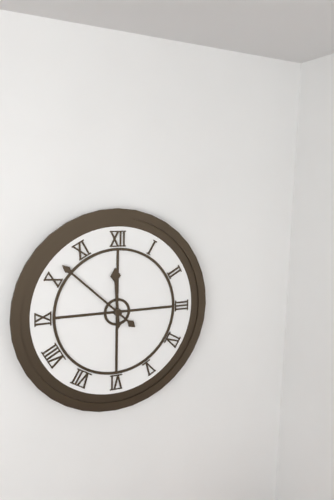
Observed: 11.52
